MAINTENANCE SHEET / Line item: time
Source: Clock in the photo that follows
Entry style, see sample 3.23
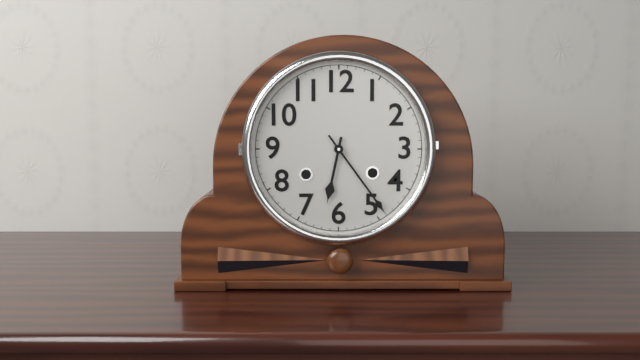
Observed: 6.24
